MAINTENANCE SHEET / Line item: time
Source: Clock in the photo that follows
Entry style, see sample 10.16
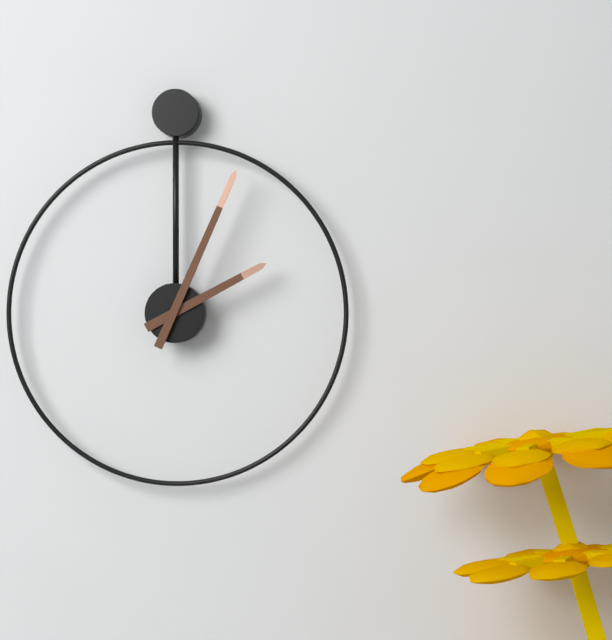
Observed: 2.04
